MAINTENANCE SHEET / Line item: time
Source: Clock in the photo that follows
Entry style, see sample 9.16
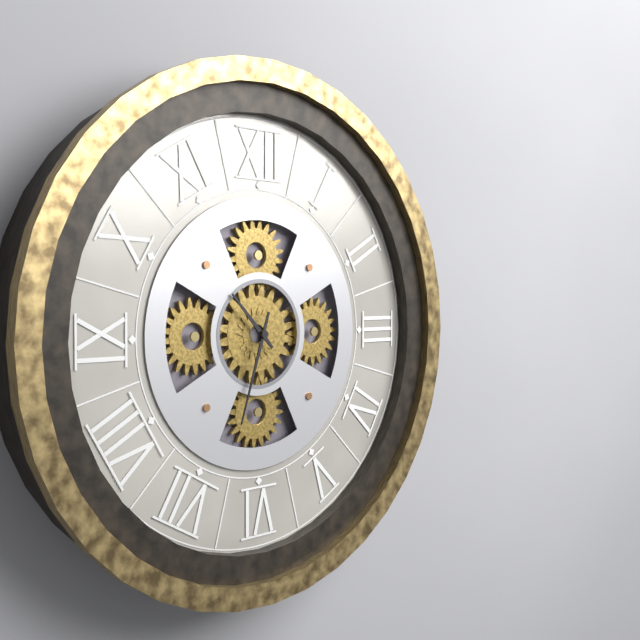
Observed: 10.33
